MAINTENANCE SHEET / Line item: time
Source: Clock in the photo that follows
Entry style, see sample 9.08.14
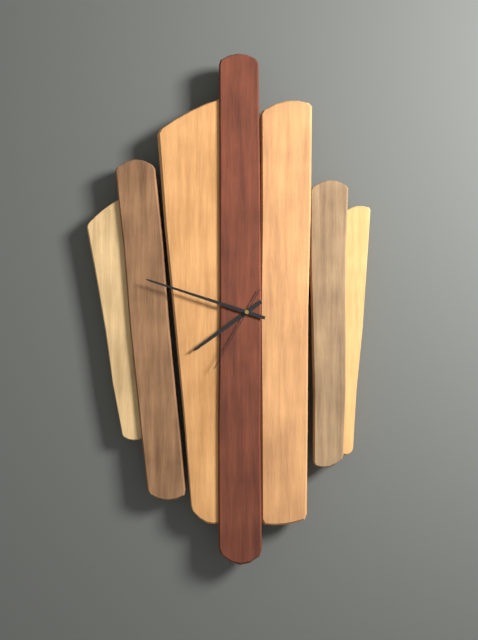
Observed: 7.48.35
